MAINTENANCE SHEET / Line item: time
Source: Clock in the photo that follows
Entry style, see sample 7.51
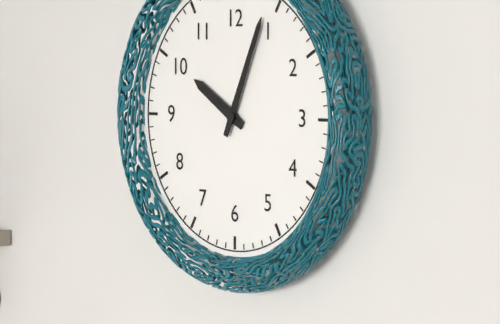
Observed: 10.04
